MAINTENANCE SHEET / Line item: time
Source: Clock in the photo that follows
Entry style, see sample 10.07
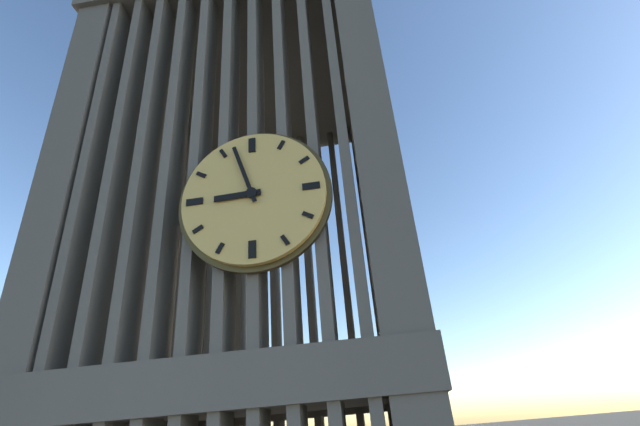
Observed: 8.57
